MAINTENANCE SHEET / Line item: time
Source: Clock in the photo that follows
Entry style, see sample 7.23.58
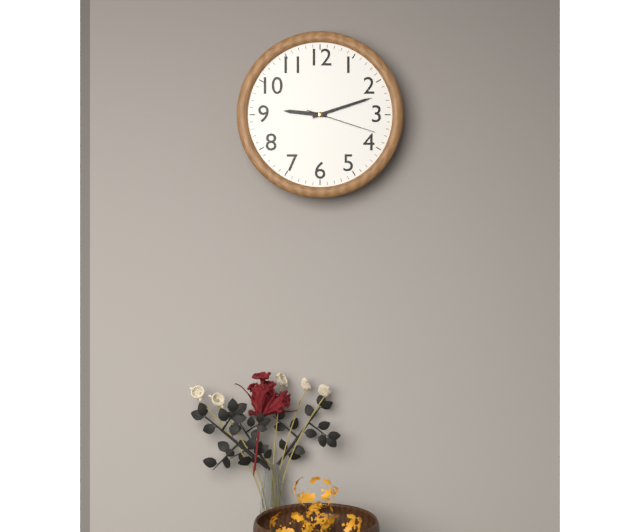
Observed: 9.12.18
